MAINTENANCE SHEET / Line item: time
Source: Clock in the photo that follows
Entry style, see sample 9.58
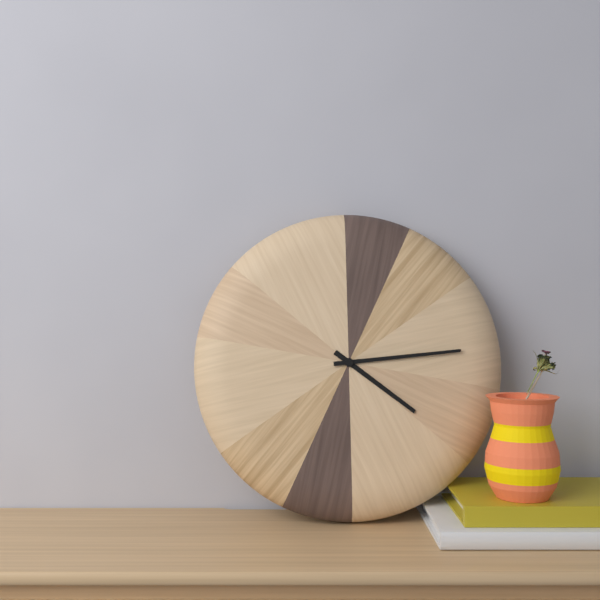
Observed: 4.14
